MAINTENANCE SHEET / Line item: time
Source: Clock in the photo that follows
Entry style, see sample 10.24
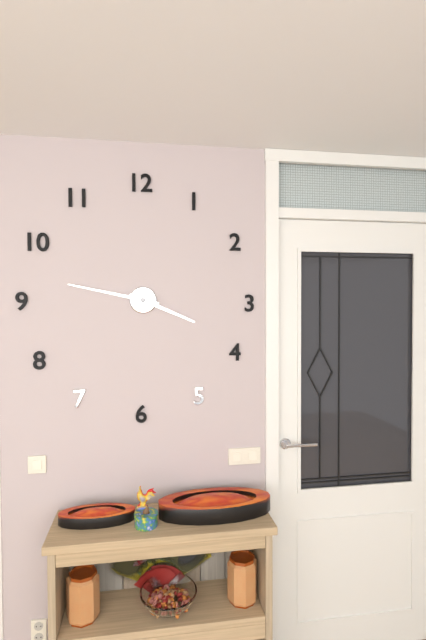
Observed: 3.47
